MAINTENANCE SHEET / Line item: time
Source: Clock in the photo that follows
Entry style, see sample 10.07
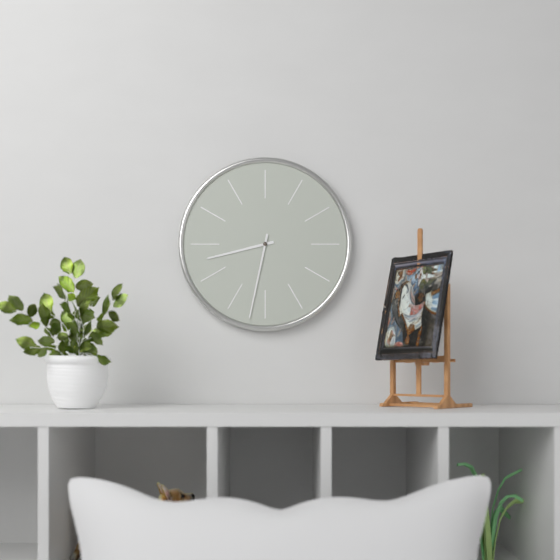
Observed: 8.32
